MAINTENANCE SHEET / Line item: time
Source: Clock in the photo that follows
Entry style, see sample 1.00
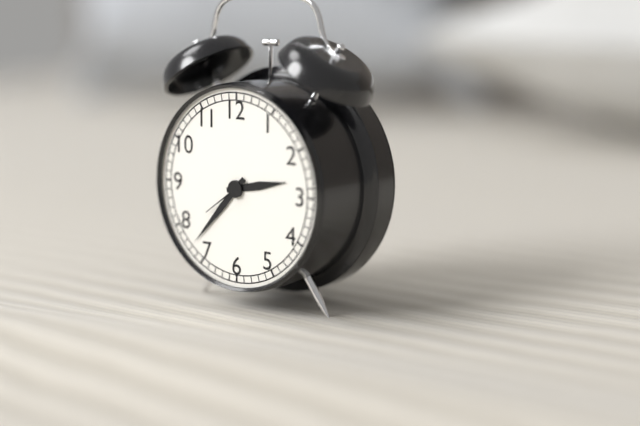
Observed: 2.37
